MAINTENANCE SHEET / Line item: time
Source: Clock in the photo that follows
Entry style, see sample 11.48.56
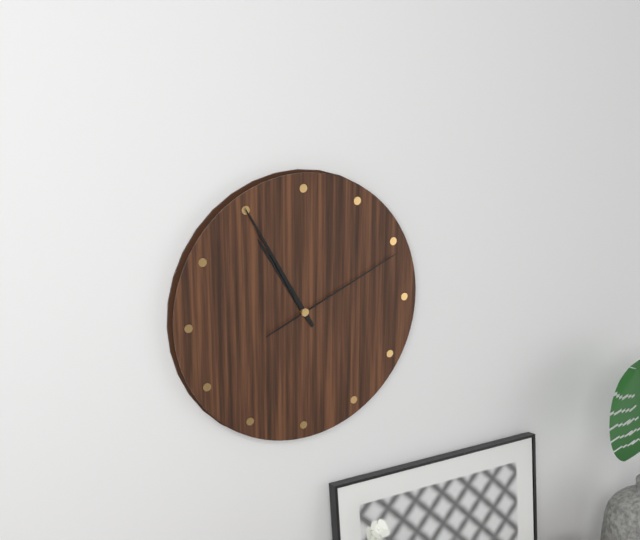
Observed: 10.55.11
